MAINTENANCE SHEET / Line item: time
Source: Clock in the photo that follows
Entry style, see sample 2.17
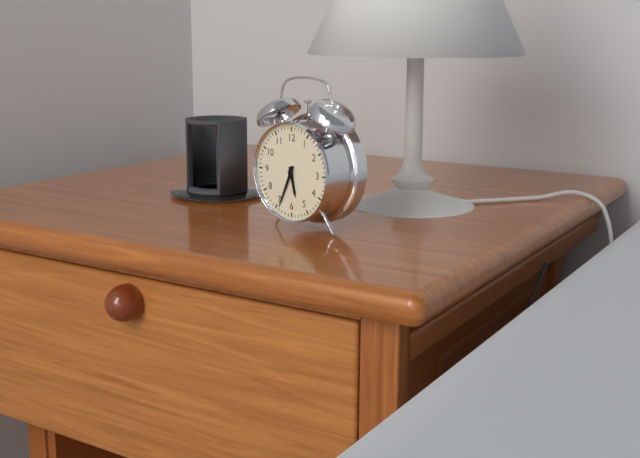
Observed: 5.34
